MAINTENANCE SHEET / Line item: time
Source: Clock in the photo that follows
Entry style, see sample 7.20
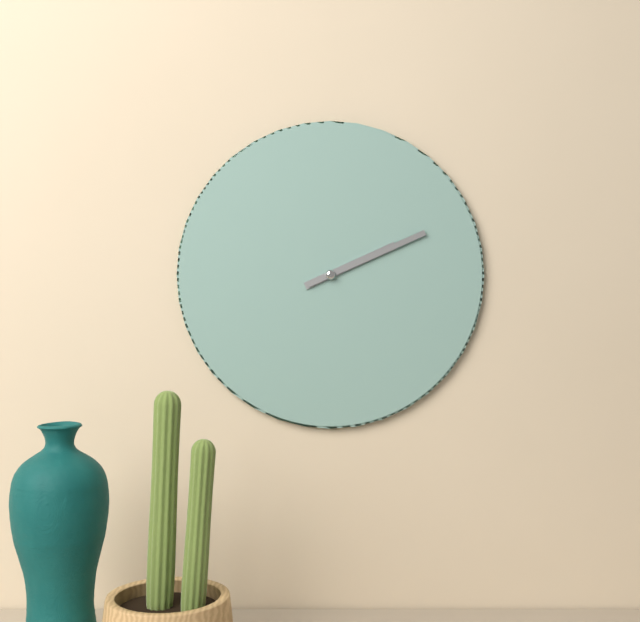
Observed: 2.11
